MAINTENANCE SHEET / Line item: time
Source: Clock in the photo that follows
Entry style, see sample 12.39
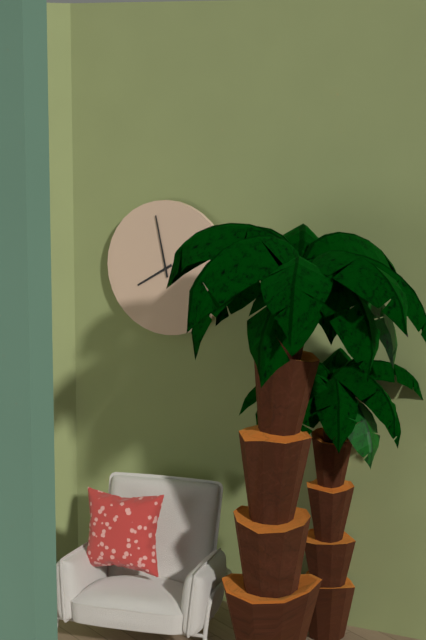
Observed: 7.58
